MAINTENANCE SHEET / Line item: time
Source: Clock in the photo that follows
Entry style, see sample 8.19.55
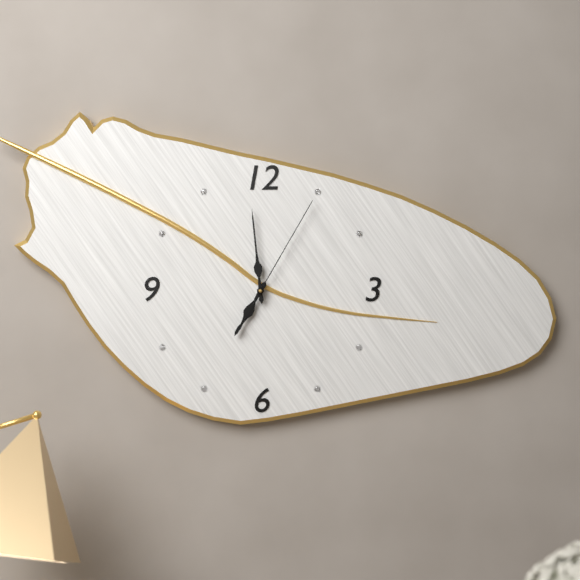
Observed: 6.59.05
